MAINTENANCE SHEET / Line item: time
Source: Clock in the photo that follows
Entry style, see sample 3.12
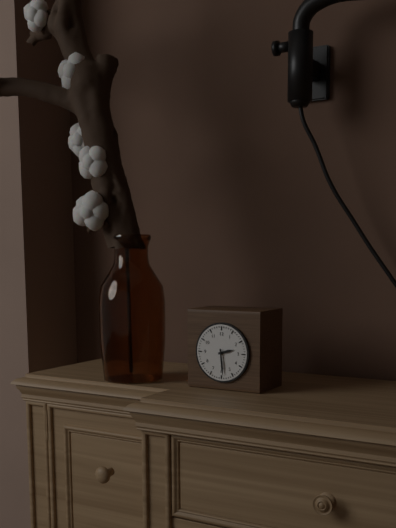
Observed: 2.29
